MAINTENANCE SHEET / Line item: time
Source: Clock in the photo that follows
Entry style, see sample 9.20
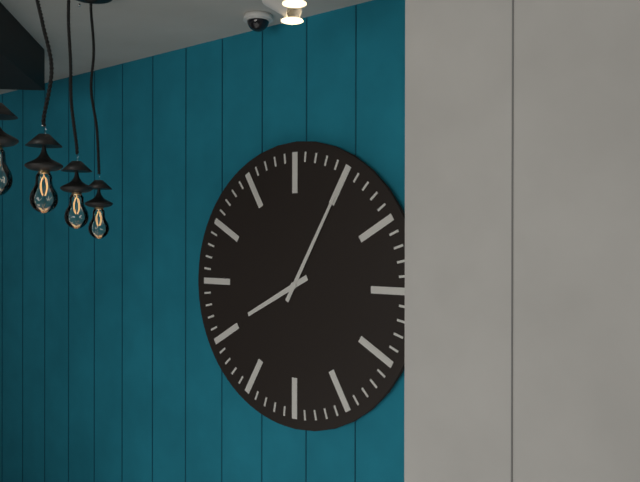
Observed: 8.05
